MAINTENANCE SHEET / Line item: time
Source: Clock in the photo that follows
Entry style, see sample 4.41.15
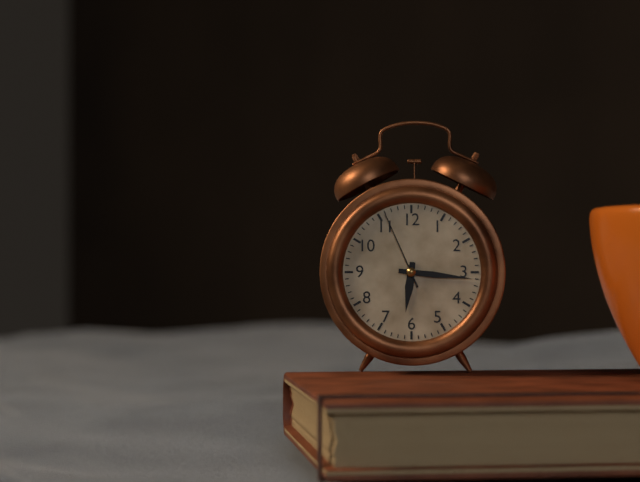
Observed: 6.16.56
